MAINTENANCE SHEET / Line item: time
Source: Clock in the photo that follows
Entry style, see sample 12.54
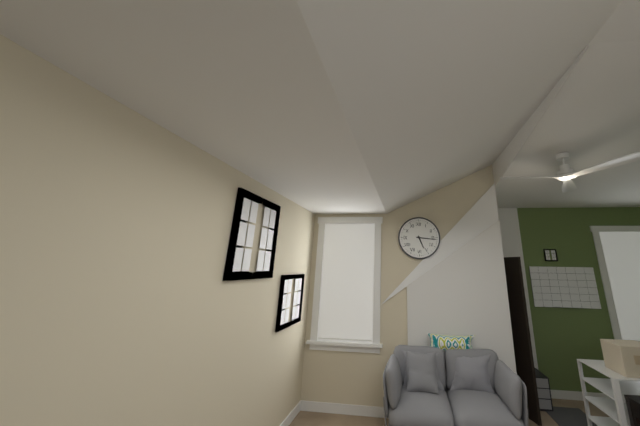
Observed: 5.16
